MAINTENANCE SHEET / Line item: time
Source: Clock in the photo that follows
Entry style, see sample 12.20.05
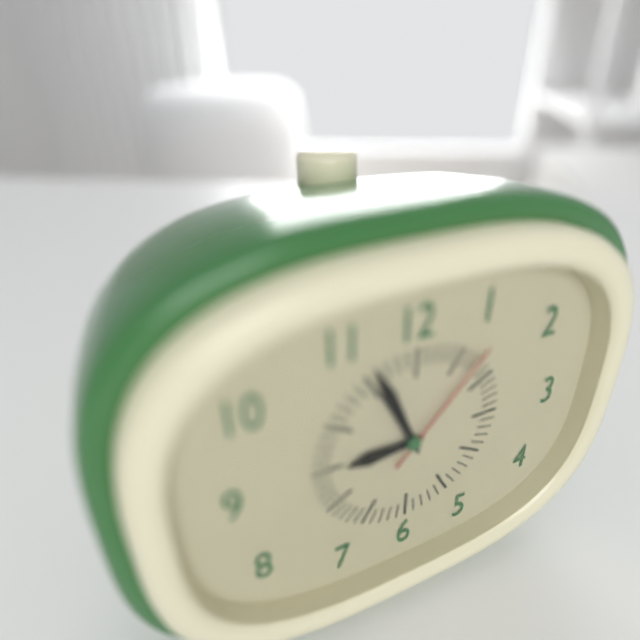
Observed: 8.56.07
